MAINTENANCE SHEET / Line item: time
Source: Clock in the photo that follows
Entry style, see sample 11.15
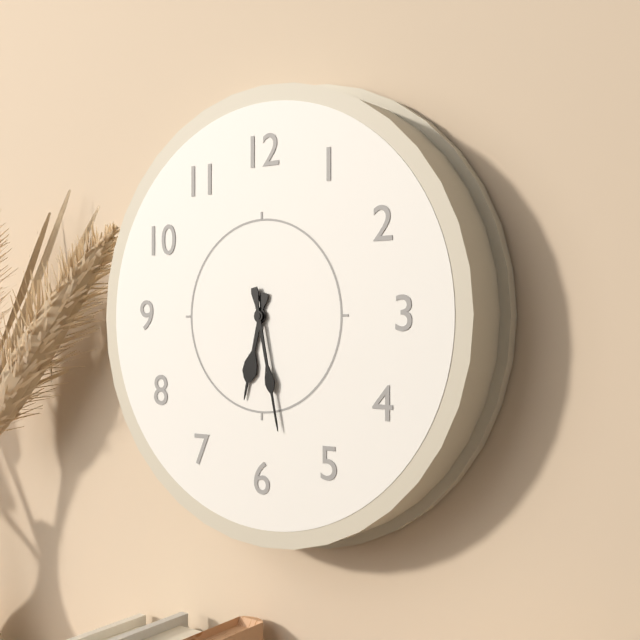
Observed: 6.28
